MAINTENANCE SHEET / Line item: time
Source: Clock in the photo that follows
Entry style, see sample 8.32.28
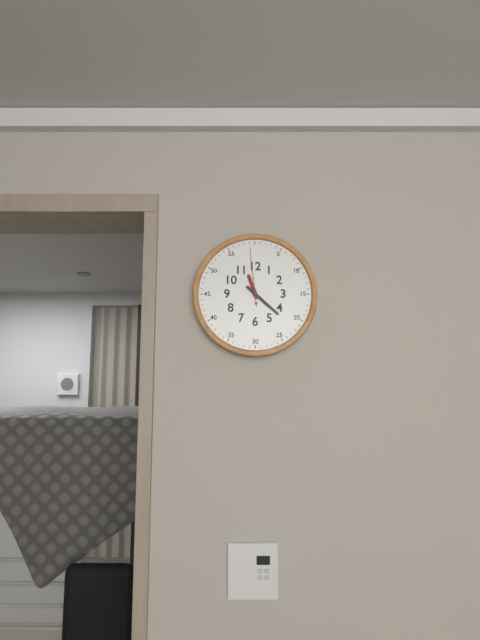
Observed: 11.22.59
